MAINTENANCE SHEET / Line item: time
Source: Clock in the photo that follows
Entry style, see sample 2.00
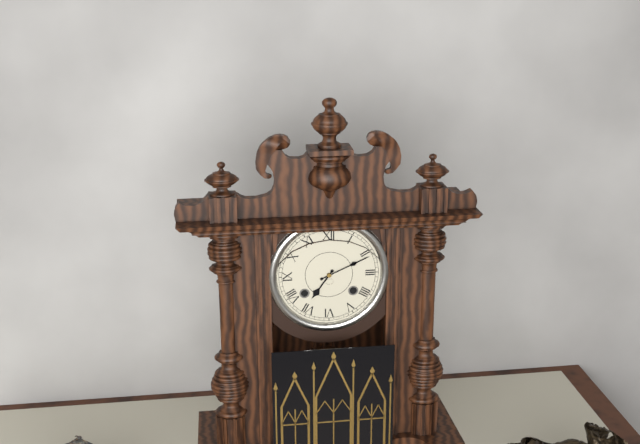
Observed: 7.11
